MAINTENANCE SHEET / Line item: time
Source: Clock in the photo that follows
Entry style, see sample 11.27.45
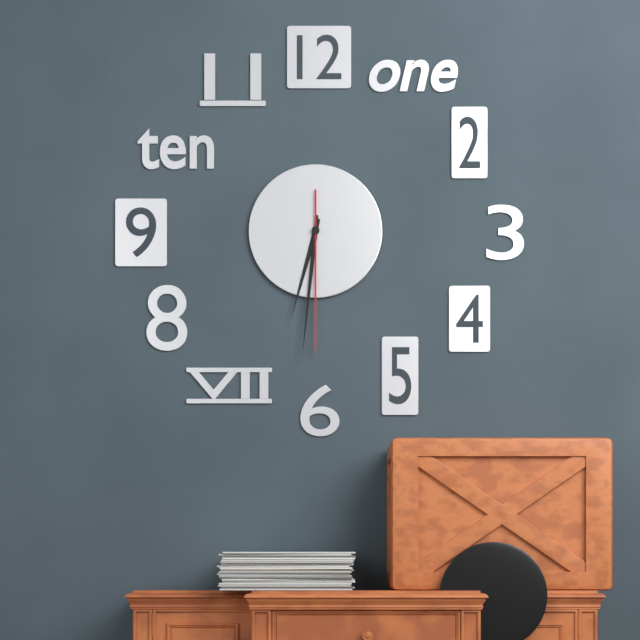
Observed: 6.31.30
